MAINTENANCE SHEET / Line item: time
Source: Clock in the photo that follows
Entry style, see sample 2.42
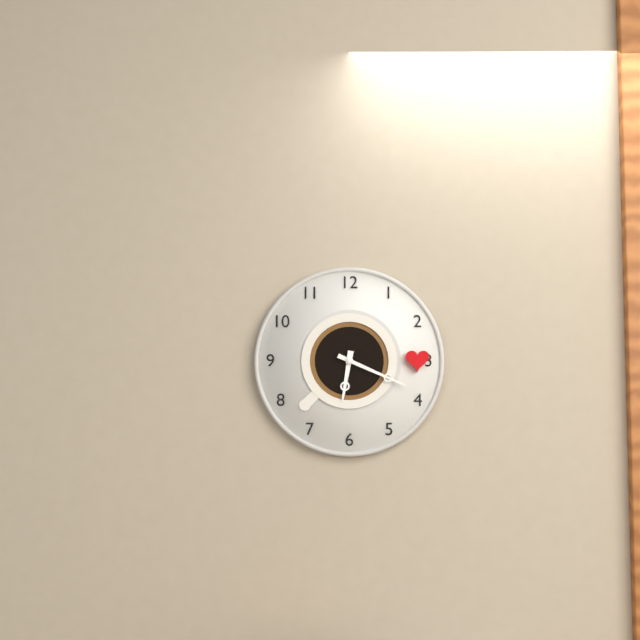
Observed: 6.19
